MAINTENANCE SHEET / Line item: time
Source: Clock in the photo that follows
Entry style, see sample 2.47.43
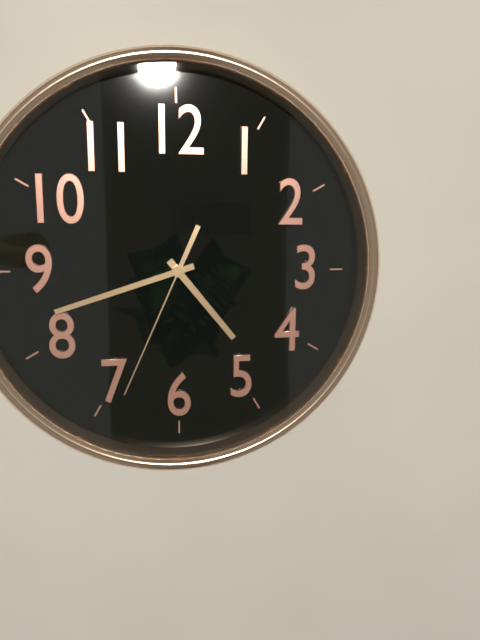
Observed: 4.42.34
